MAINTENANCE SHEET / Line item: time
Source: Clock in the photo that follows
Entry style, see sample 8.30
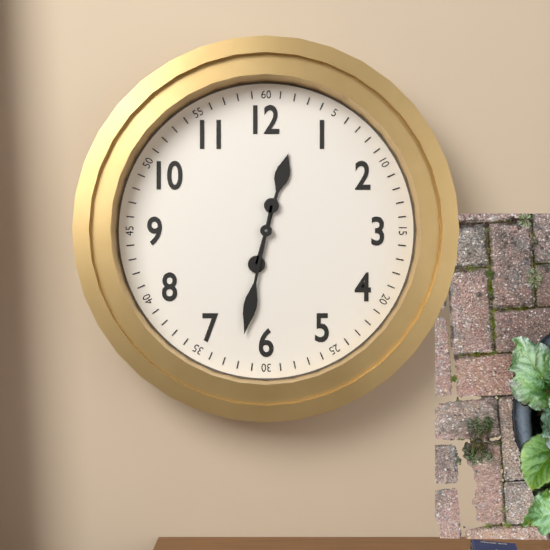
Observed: 12.32
